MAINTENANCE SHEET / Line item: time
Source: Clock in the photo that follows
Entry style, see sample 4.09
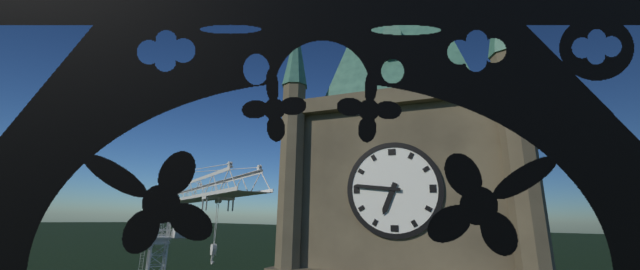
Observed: 6.46
